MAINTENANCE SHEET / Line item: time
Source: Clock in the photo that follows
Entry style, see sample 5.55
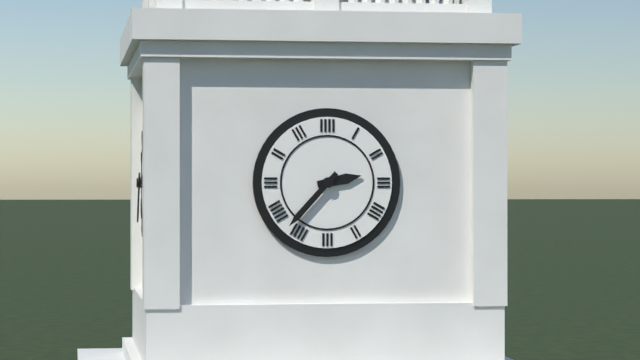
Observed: 2.37
